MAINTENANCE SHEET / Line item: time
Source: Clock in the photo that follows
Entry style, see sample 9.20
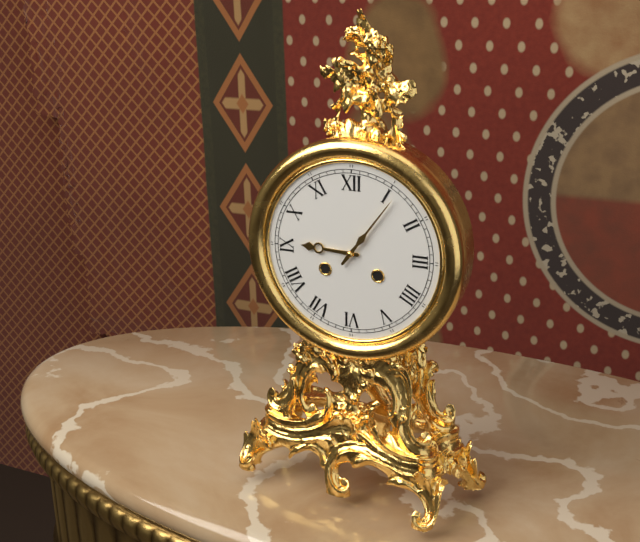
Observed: 9.06
